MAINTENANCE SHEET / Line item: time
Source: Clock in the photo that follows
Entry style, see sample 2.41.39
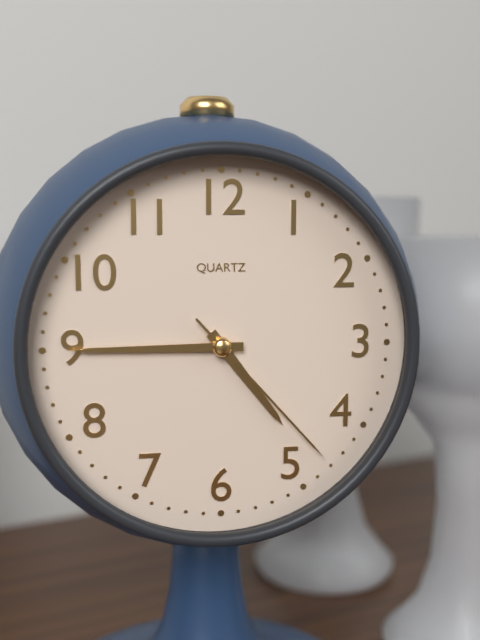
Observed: 4.45.23
